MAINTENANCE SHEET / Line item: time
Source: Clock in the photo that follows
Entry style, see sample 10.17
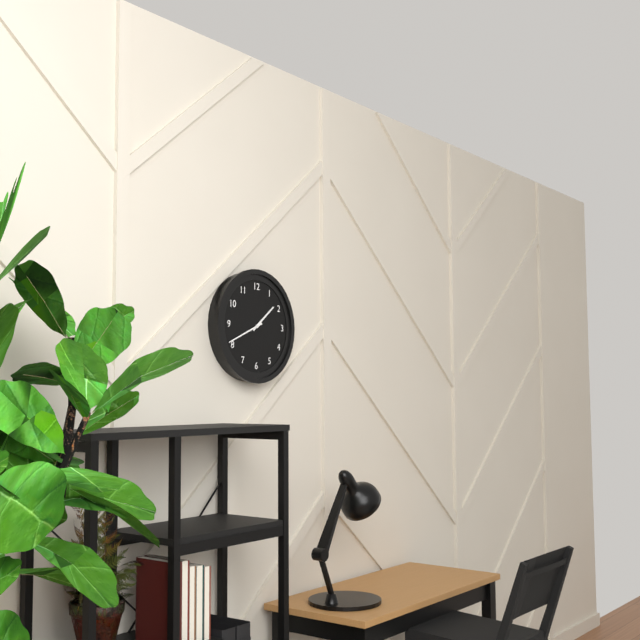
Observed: 1.41
